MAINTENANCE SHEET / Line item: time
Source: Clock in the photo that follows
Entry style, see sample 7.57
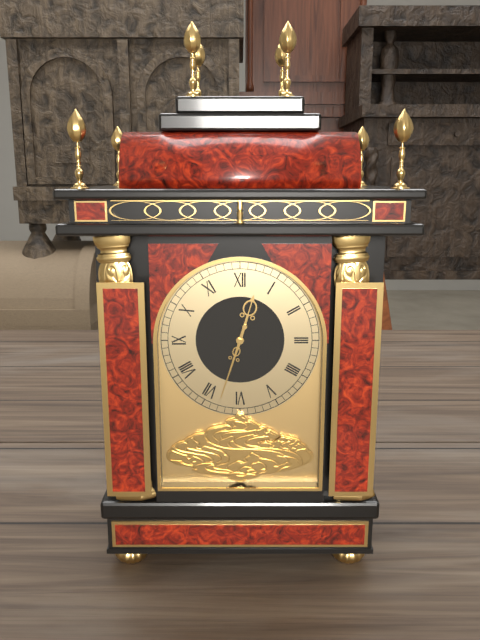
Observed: 12.33
